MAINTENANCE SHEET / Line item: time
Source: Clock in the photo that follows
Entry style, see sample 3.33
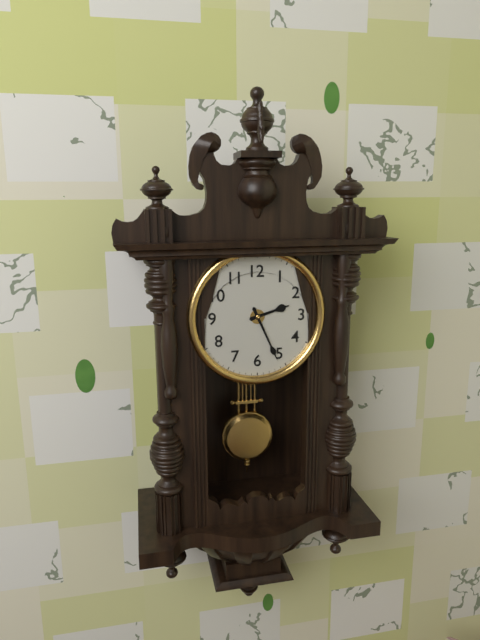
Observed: 2.26
